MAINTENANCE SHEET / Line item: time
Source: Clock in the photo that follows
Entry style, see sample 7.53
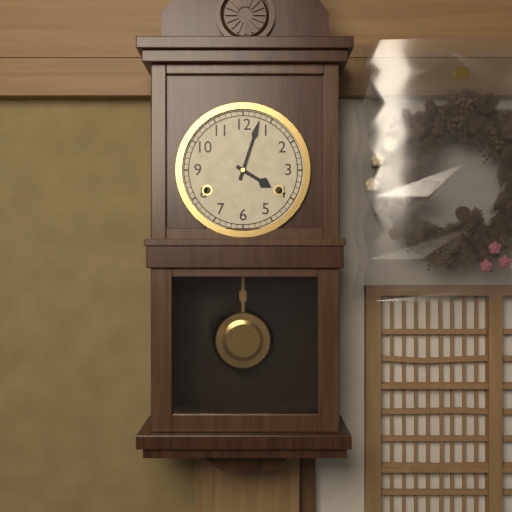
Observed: 4.03
